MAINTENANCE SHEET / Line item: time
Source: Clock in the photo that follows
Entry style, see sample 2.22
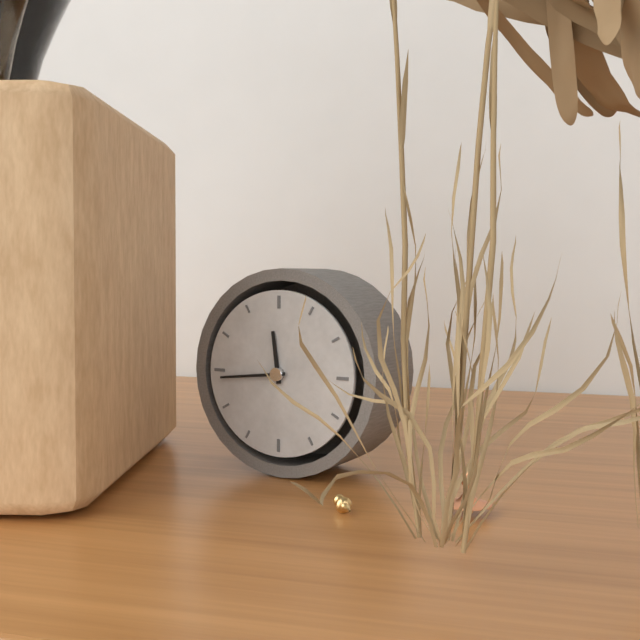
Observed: 11.44
